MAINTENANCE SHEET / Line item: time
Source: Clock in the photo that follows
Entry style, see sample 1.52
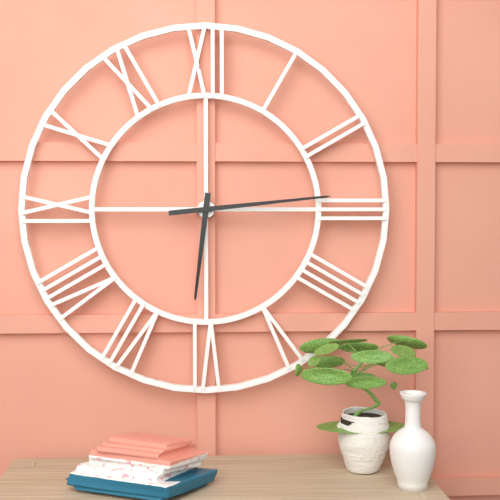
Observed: 6.14
